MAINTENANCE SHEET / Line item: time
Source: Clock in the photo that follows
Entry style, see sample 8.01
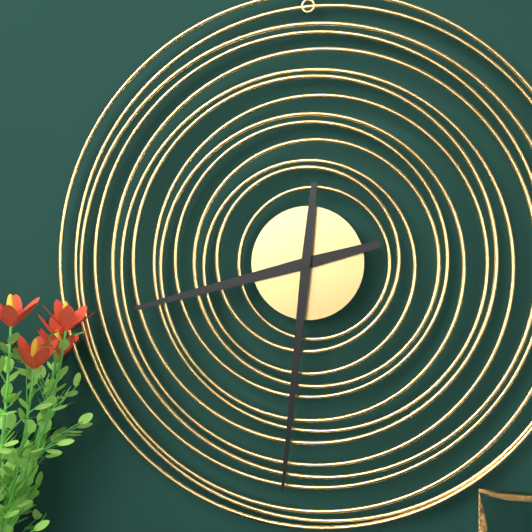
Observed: 8.31
